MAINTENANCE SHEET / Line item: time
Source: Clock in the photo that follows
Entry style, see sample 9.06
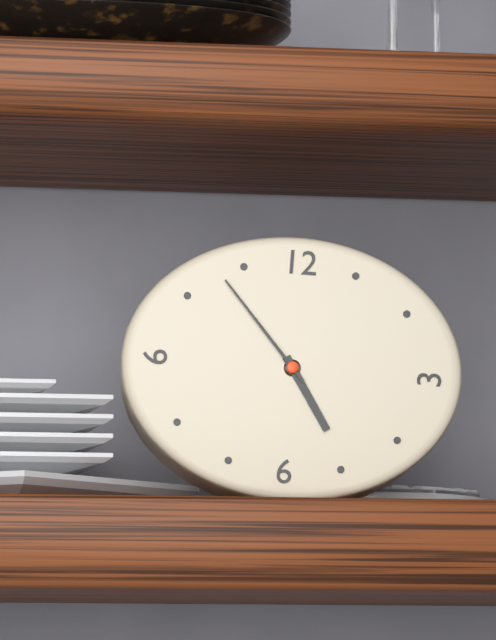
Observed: 4.53
